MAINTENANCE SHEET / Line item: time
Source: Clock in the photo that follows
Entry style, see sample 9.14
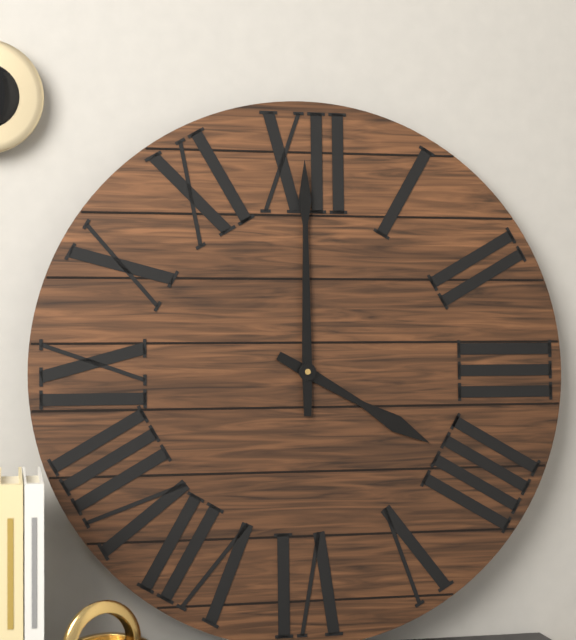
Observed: 4.00
